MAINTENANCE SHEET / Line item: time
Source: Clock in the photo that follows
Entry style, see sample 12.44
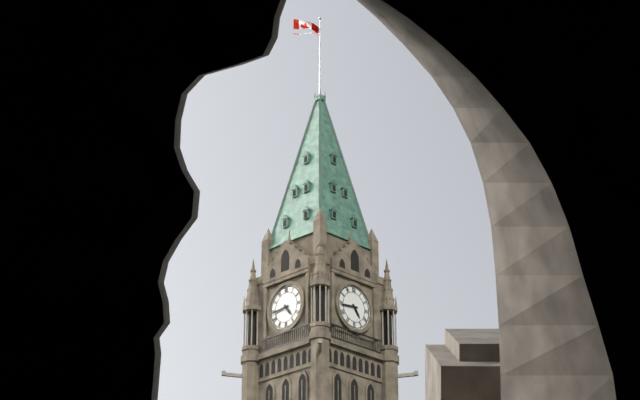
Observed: 4.44
